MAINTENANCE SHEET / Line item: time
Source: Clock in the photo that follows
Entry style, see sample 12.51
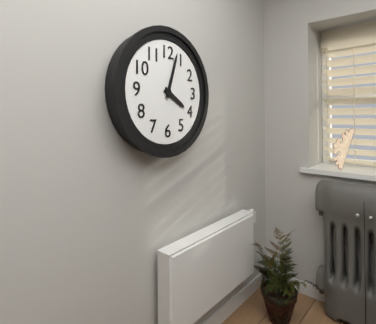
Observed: 4.03
